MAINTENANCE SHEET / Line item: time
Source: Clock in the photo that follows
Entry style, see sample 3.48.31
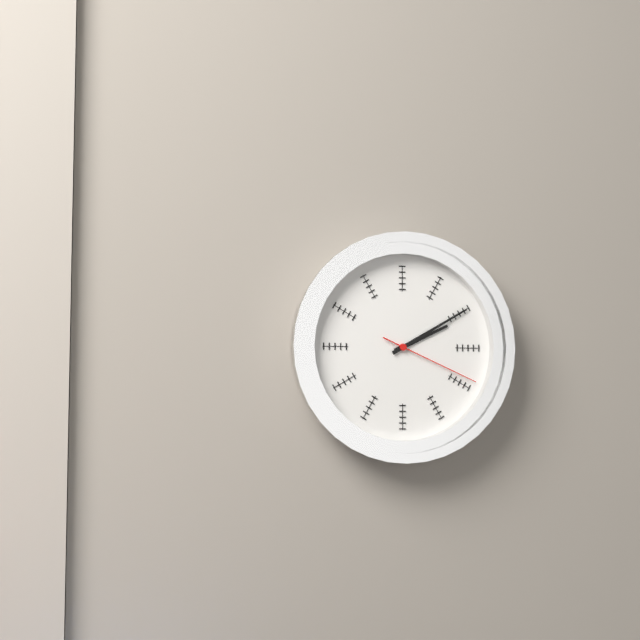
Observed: 2.10.19
